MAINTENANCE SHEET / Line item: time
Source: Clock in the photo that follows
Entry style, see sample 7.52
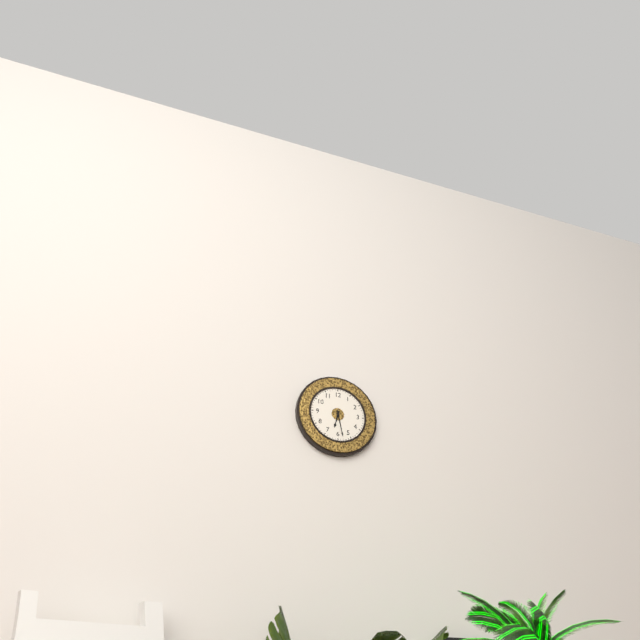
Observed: 6.28
